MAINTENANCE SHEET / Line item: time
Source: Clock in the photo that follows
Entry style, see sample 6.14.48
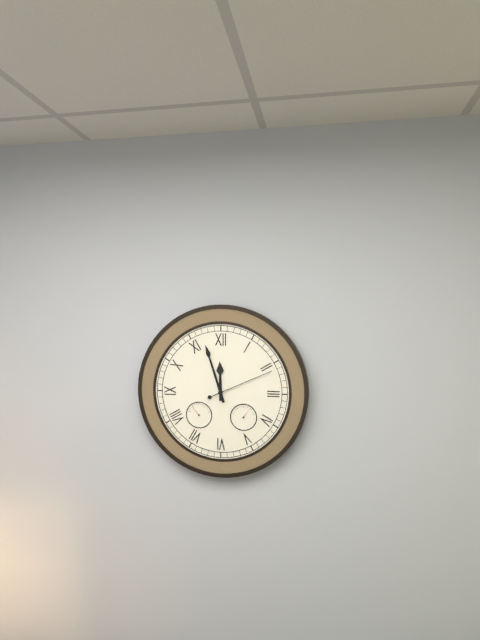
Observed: 11.57.11
